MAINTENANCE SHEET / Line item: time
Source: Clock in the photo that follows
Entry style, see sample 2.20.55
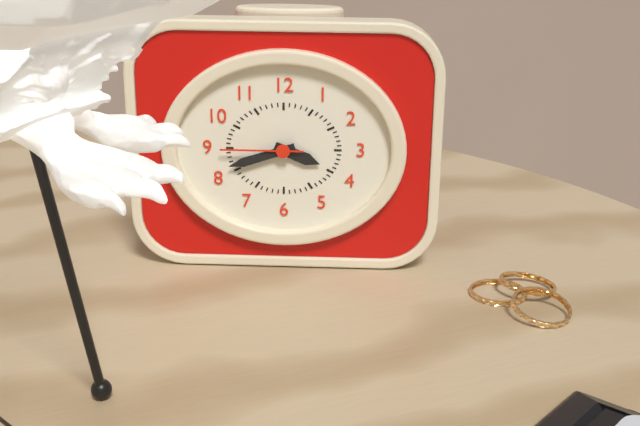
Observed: 3.42.45
